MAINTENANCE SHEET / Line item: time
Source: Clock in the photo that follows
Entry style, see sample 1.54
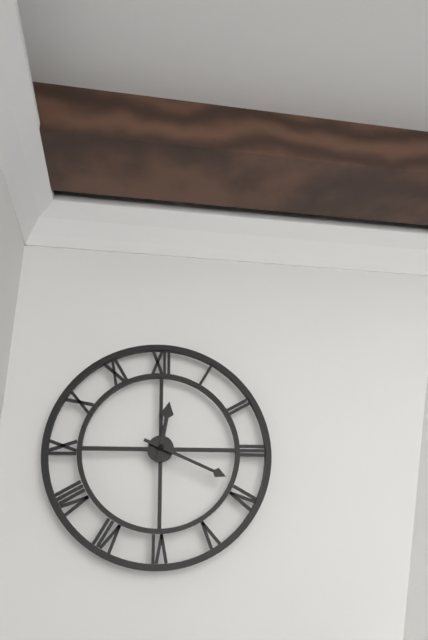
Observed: 12.19
